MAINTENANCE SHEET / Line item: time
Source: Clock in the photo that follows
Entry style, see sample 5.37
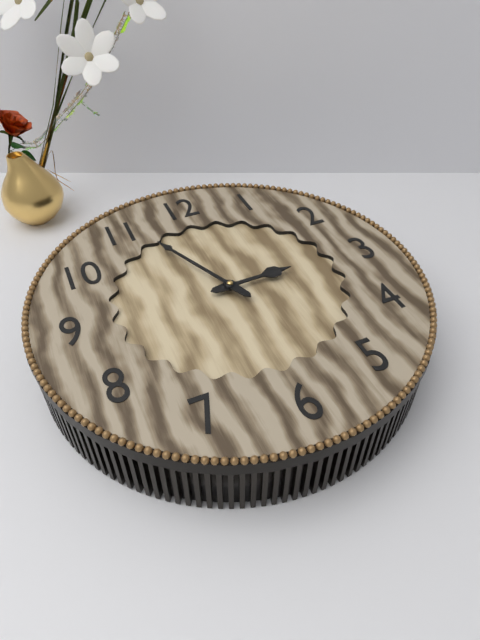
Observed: 2.56
